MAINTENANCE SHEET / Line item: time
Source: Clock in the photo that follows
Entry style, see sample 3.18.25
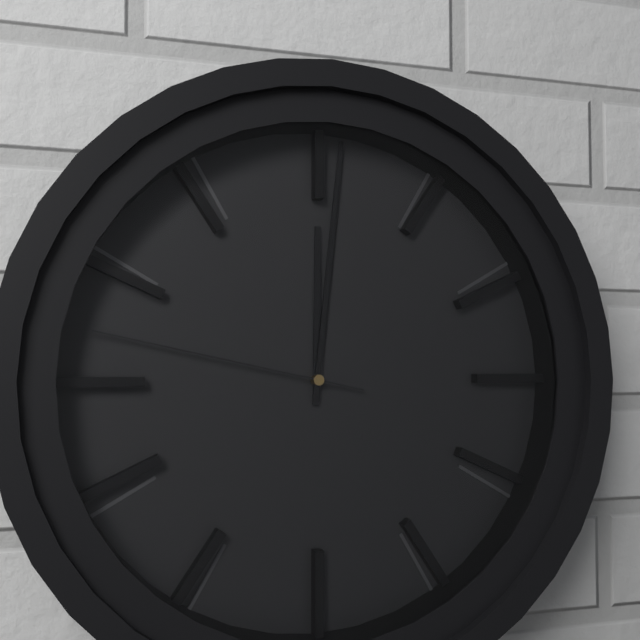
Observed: 12.01.47
